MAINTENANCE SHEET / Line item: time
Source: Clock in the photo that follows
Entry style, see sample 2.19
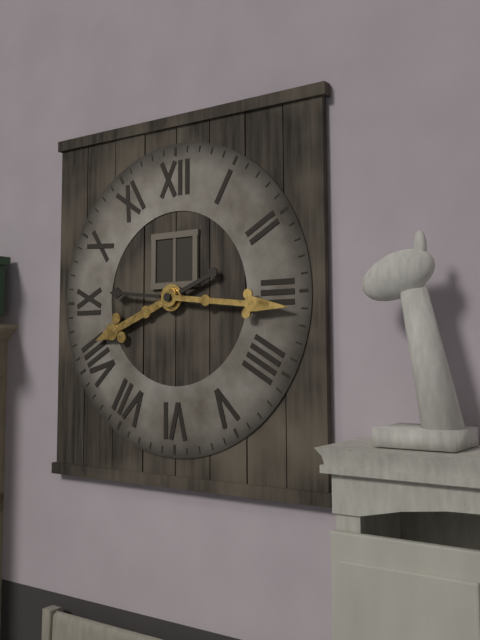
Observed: 8.16
